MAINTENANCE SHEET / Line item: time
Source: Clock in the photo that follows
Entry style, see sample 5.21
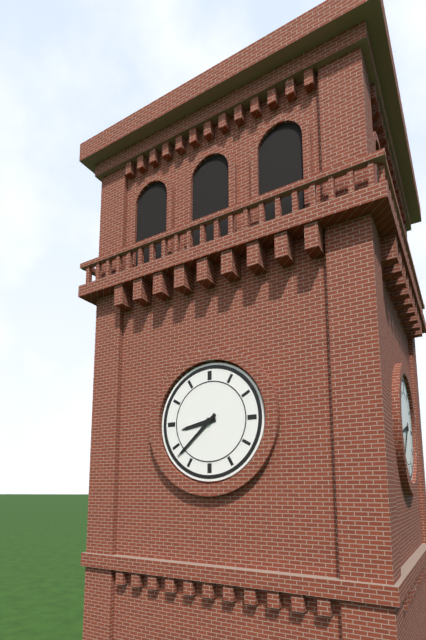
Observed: 8.38
